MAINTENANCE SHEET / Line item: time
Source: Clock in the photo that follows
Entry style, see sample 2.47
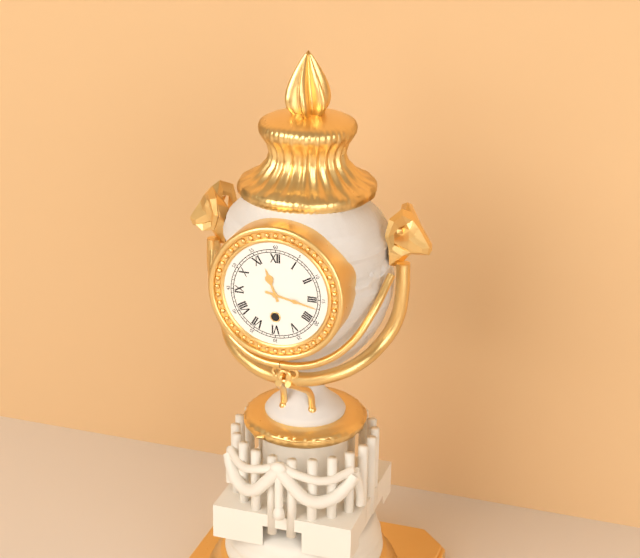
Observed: 11.17
